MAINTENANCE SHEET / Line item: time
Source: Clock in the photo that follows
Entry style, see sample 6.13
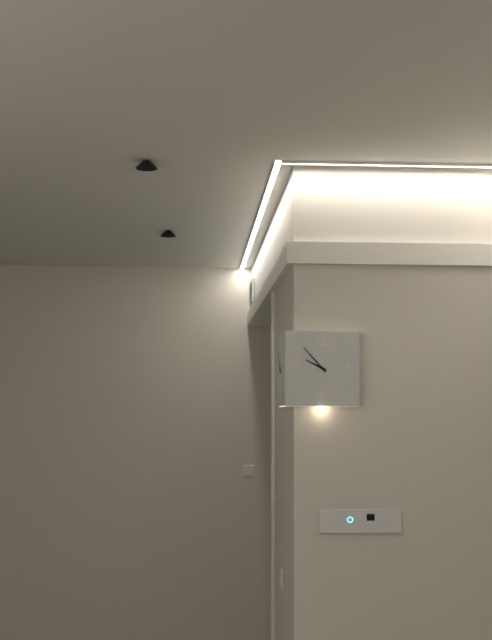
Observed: 9.53
